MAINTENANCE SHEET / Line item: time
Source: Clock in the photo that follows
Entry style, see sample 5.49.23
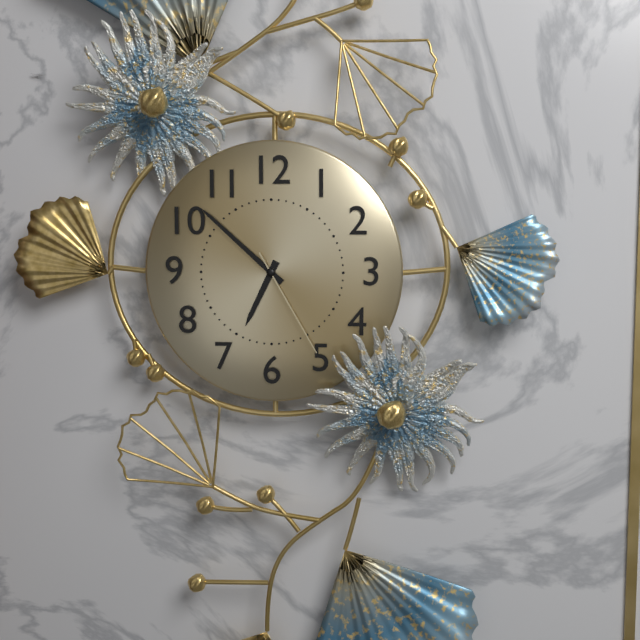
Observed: 6.52.25
